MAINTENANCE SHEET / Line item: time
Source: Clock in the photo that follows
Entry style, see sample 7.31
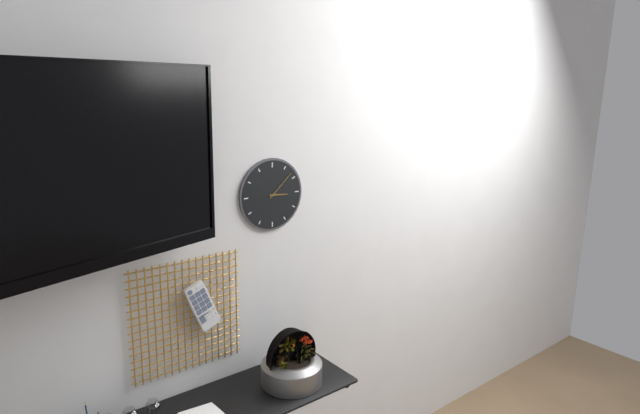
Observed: 3.08
